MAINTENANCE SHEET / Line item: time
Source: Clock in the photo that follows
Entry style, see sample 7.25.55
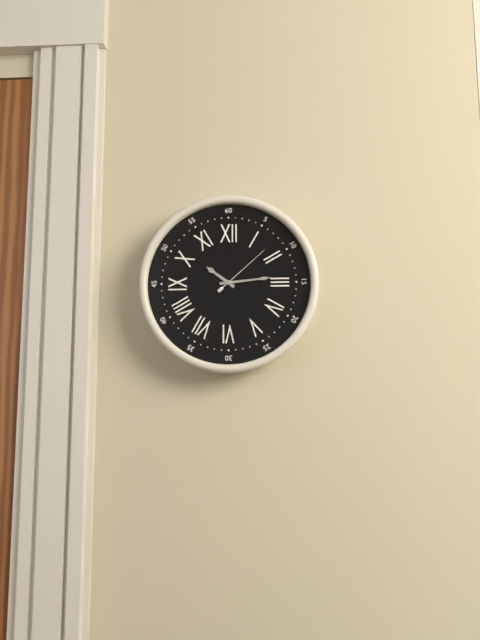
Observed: 10.14.08
